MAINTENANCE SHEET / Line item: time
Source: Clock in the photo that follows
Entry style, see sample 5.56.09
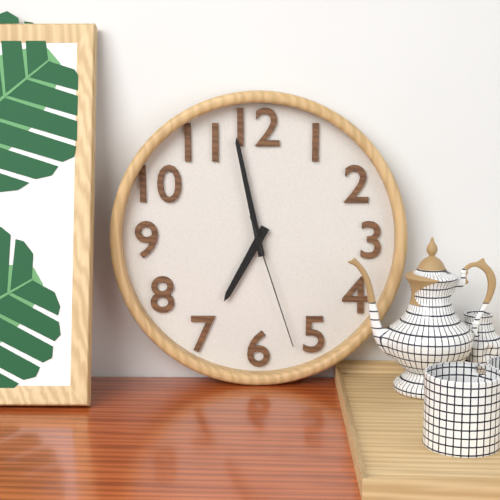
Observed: 6.58.27
